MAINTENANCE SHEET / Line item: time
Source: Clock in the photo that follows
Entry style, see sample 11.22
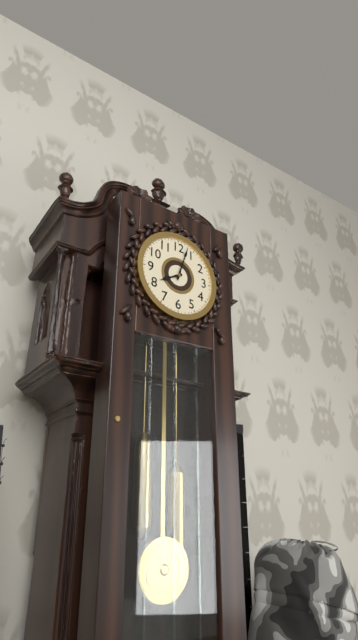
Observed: 8.03
